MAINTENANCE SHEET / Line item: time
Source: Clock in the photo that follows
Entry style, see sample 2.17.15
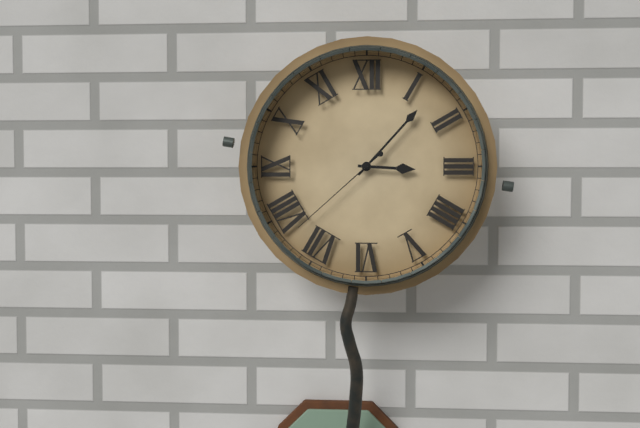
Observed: 3.07.38
